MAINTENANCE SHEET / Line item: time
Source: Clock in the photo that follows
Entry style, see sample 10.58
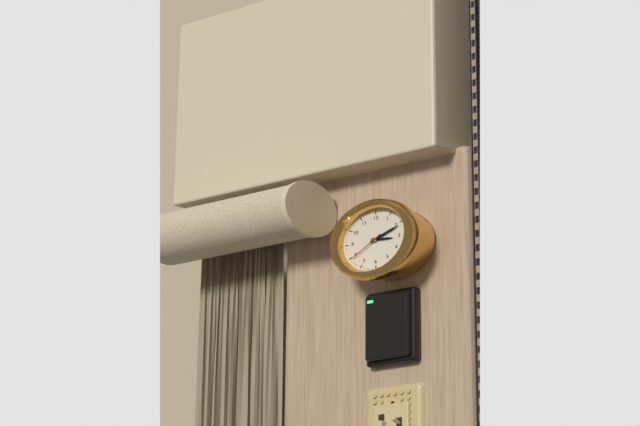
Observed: 3.11
